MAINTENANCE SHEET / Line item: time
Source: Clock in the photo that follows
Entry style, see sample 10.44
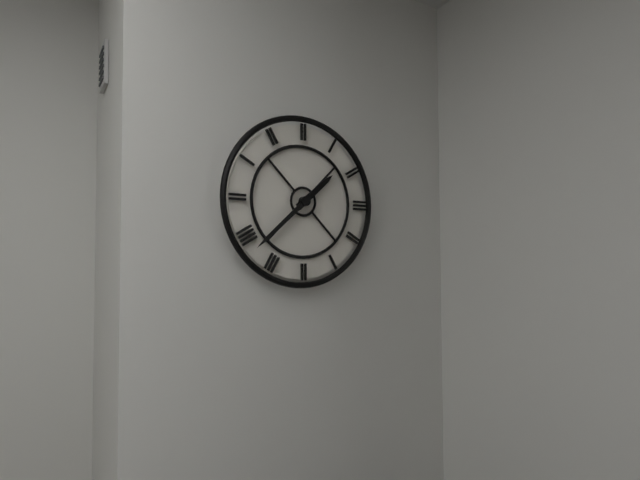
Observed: 1.38
